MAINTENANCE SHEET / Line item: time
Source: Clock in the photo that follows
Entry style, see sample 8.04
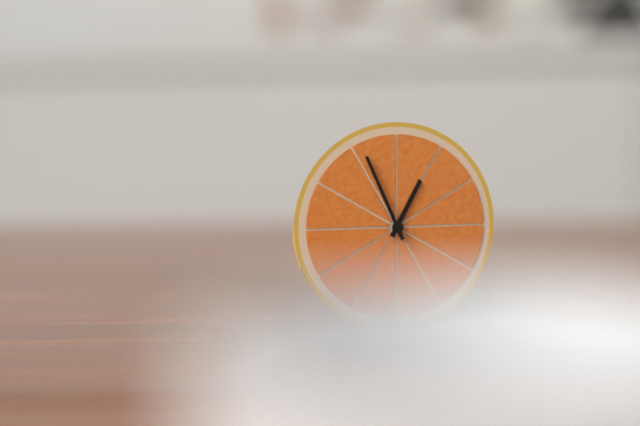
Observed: 12.56
